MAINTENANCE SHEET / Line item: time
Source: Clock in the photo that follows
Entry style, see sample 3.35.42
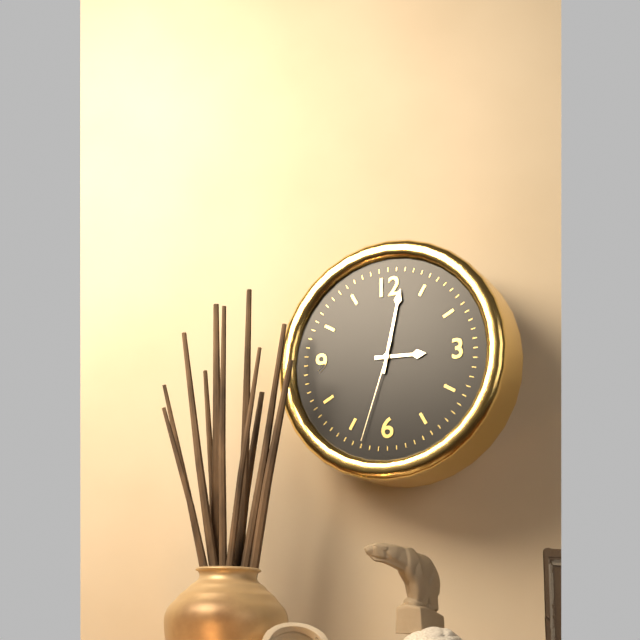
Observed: 3.02.33
